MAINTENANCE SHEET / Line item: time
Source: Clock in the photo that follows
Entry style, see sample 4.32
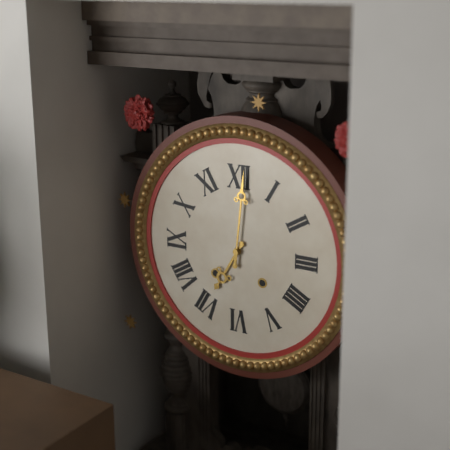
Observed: 7.01
